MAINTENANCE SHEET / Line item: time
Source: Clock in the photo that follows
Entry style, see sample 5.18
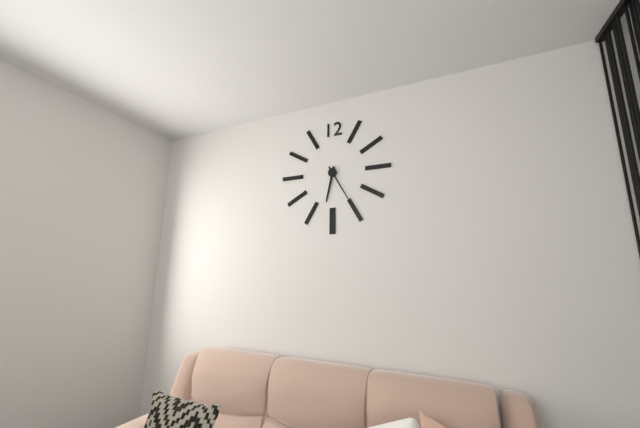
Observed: 6.25
